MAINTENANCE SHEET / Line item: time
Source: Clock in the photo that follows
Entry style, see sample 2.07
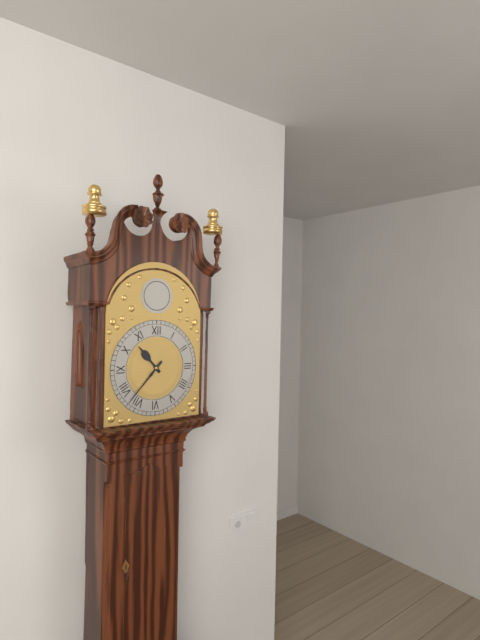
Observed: 10.37
